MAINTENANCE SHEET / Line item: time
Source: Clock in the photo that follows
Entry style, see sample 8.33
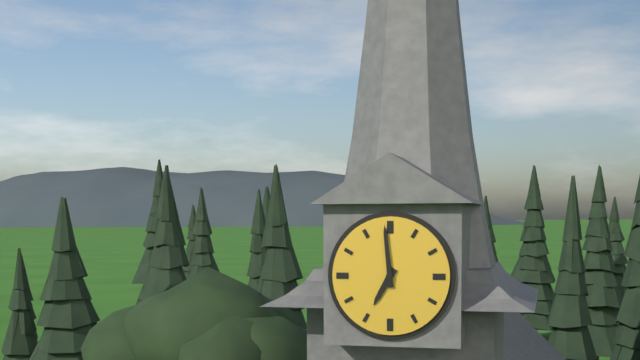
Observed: 6.59
